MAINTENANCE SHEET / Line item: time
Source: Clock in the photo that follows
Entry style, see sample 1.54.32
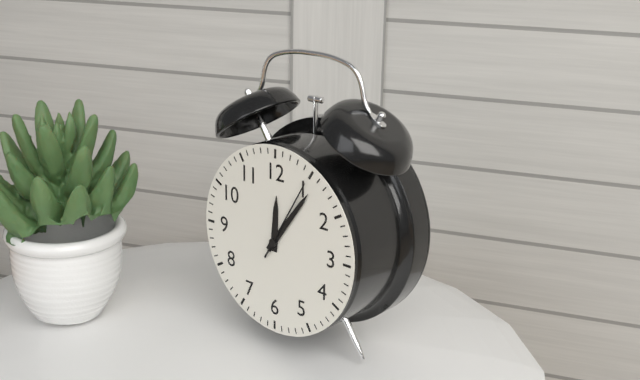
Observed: 12.06.05
